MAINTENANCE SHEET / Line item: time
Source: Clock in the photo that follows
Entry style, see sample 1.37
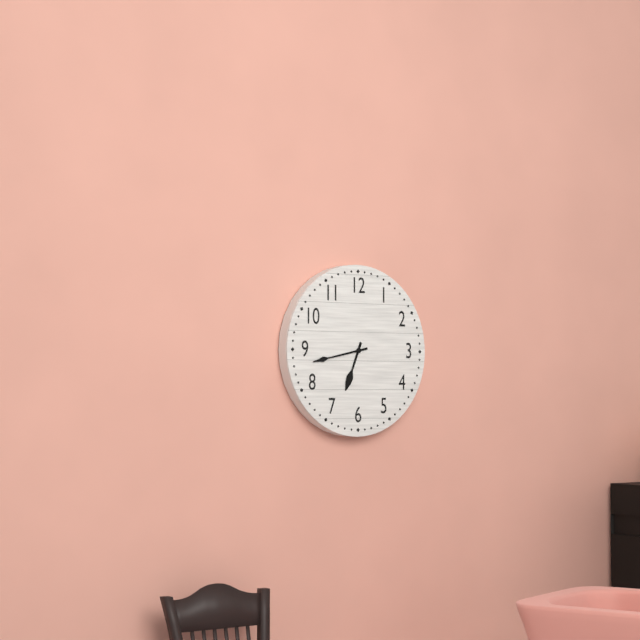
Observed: 6.43
